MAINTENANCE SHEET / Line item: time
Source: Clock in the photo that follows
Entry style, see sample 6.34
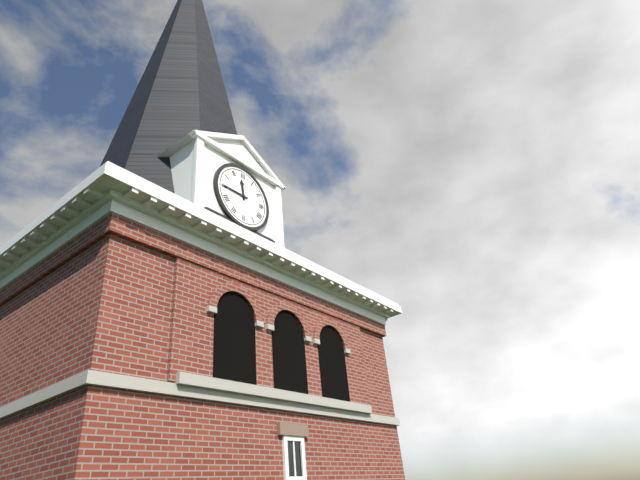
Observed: 11.45
